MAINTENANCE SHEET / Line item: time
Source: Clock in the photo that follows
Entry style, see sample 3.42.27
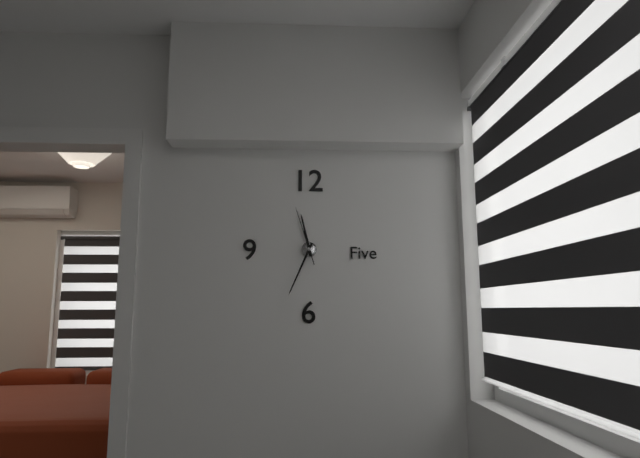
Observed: 11.34.57
